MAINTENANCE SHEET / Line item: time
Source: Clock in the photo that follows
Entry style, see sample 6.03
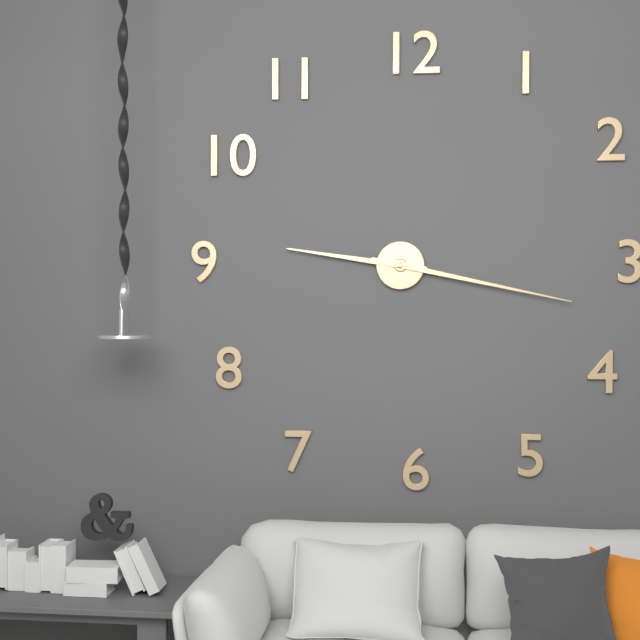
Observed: 9.17
